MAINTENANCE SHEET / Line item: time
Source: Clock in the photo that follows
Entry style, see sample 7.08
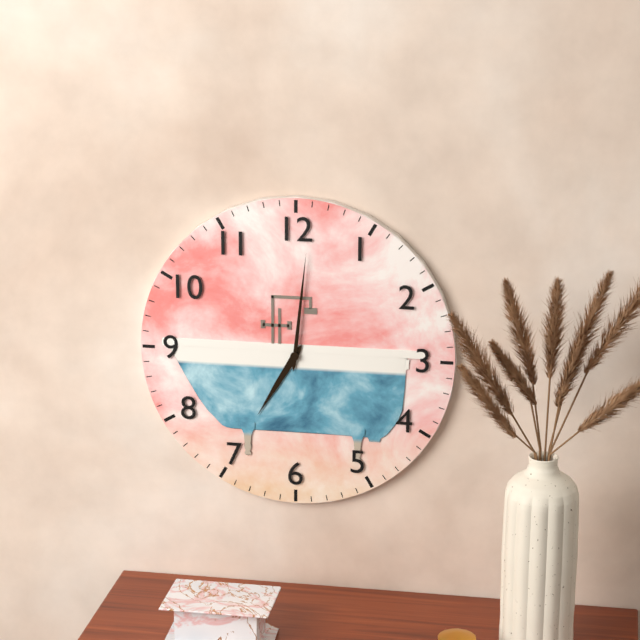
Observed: 7.01
